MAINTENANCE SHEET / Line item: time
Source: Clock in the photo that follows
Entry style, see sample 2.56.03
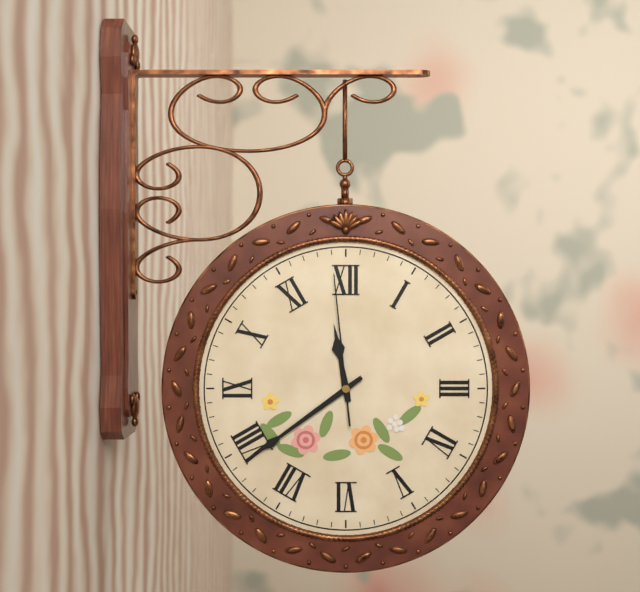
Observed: 11.39.59
